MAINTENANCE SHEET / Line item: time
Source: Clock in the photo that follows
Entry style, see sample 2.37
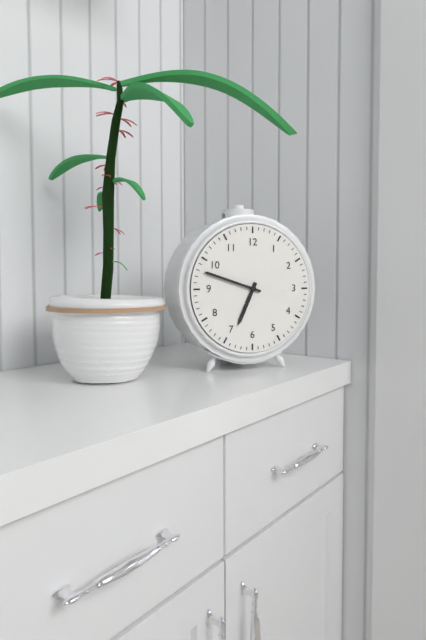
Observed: 6.48
